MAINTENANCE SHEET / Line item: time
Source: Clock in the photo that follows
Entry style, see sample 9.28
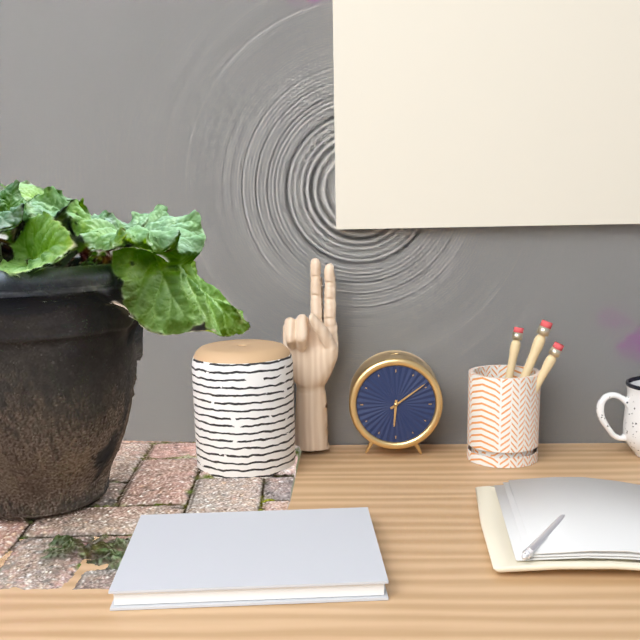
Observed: 6.09
